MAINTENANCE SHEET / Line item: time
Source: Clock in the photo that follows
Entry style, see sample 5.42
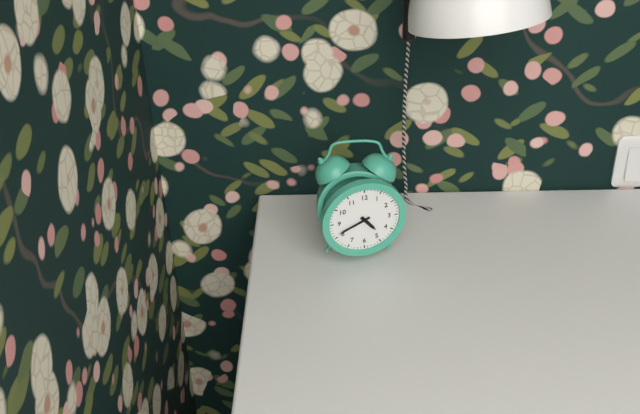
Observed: 4.41
